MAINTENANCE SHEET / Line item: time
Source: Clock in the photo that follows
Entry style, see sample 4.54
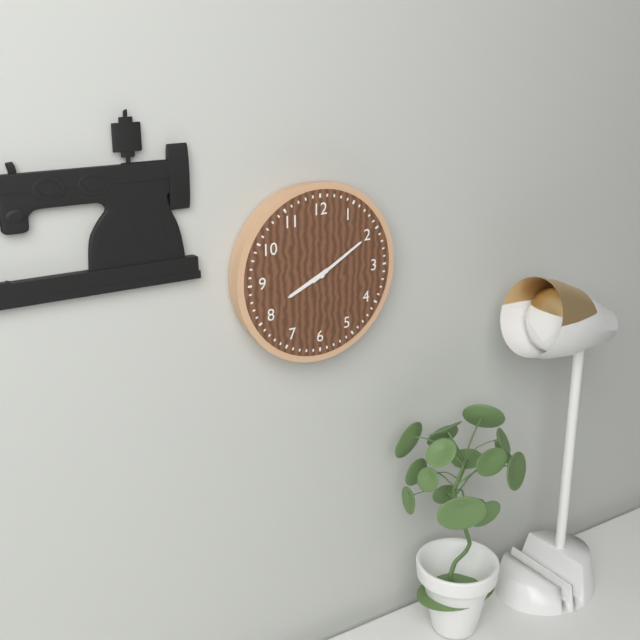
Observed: 8.10
